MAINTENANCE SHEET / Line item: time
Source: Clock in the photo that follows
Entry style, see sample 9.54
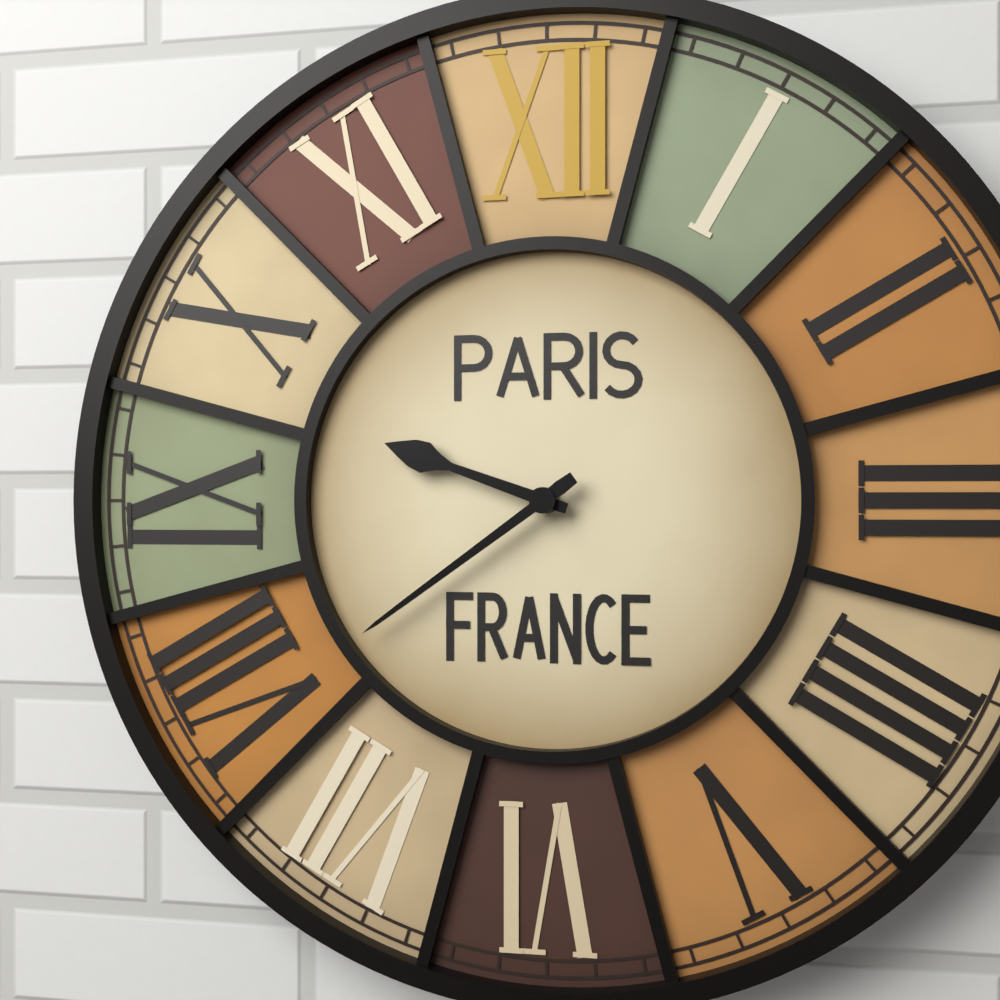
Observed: 9.39
